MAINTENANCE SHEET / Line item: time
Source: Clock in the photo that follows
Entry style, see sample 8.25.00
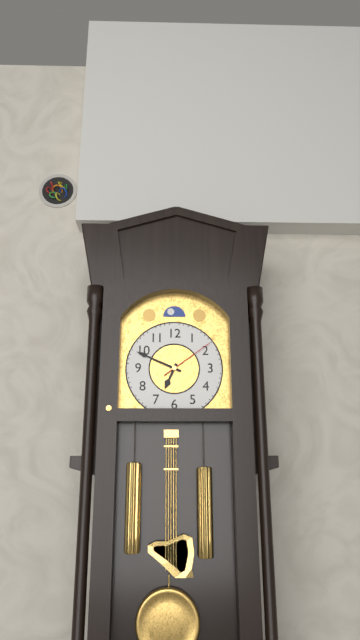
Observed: 6.49.09
